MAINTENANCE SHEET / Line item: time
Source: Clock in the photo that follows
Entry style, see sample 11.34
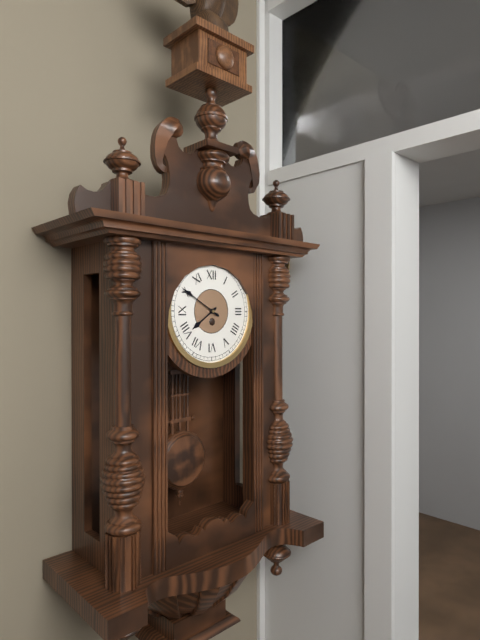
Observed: 7.50
